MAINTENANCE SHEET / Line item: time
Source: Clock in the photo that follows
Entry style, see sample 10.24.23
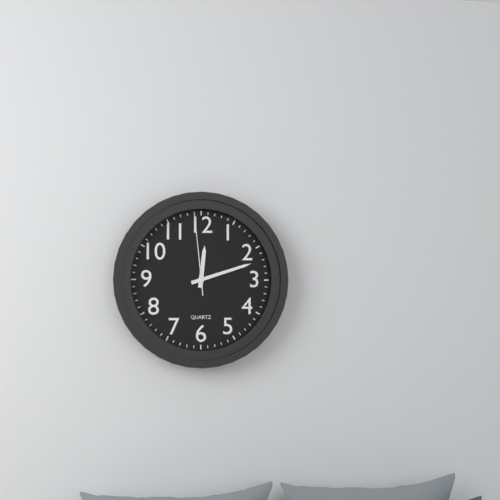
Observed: 12.12.59
